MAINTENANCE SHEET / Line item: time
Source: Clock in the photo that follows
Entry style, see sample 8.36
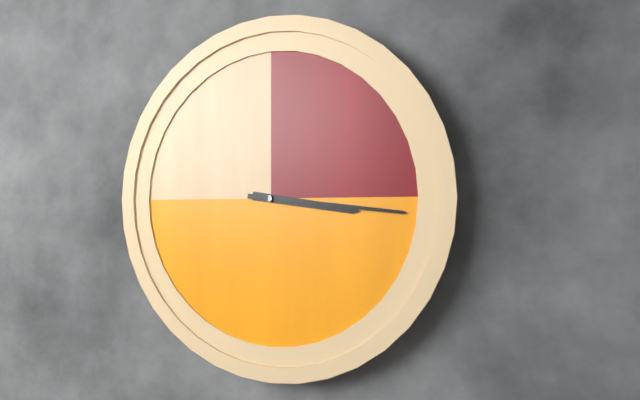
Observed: 3.16
